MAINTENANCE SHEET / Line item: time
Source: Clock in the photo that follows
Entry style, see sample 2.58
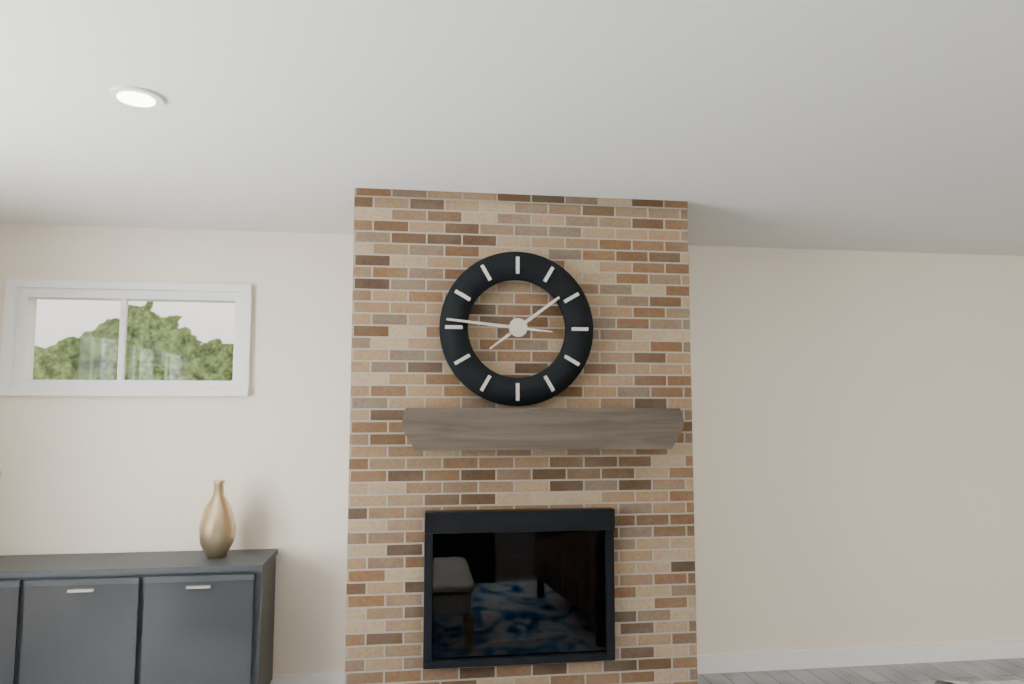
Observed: 1.46
